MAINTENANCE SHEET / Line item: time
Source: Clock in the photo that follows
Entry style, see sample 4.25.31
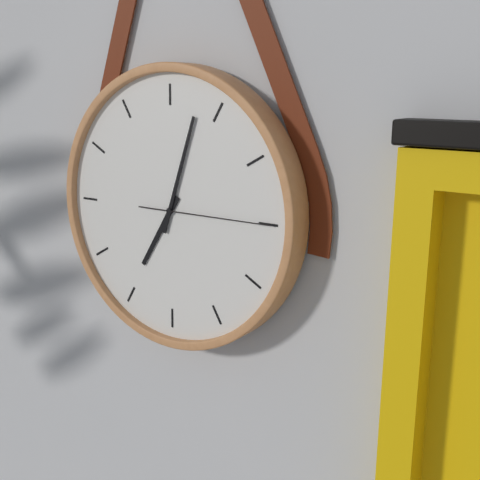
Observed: 7.03.15
